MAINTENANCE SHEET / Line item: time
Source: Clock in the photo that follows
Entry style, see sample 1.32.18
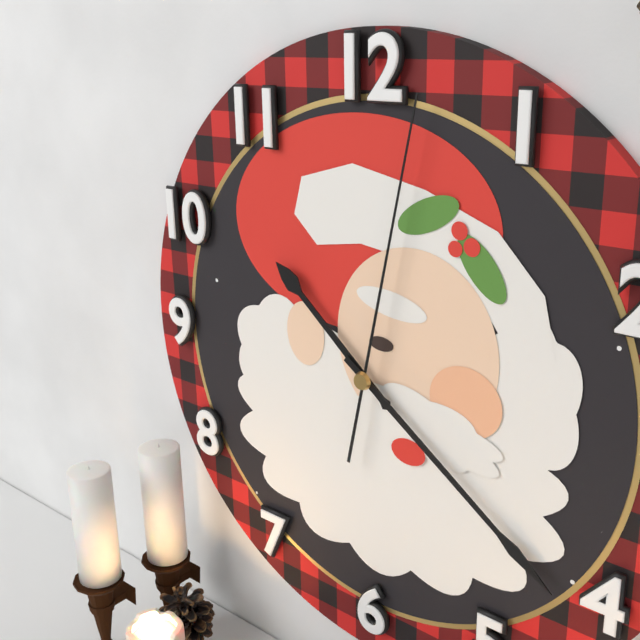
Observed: 10.21.02
